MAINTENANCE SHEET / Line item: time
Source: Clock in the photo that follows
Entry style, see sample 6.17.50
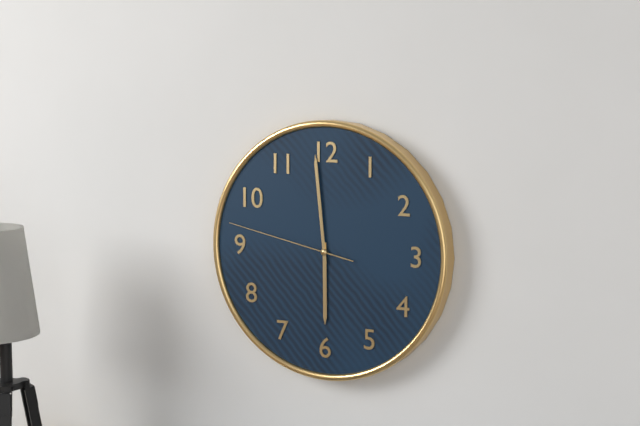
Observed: 5.59.47
